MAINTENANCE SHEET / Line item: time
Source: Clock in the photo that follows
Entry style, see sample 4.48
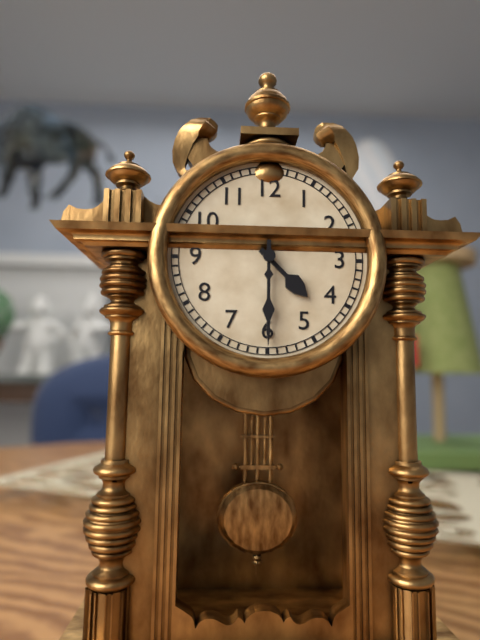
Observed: 4.30
